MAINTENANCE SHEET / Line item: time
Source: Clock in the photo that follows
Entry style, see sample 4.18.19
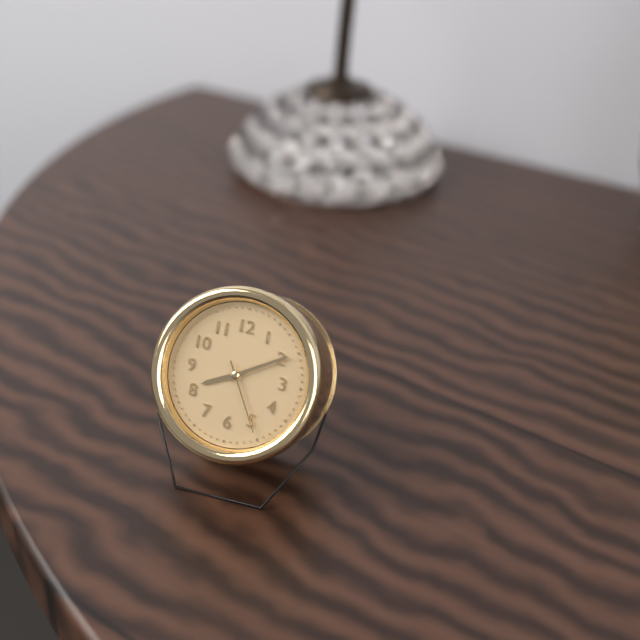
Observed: 8.10.25
